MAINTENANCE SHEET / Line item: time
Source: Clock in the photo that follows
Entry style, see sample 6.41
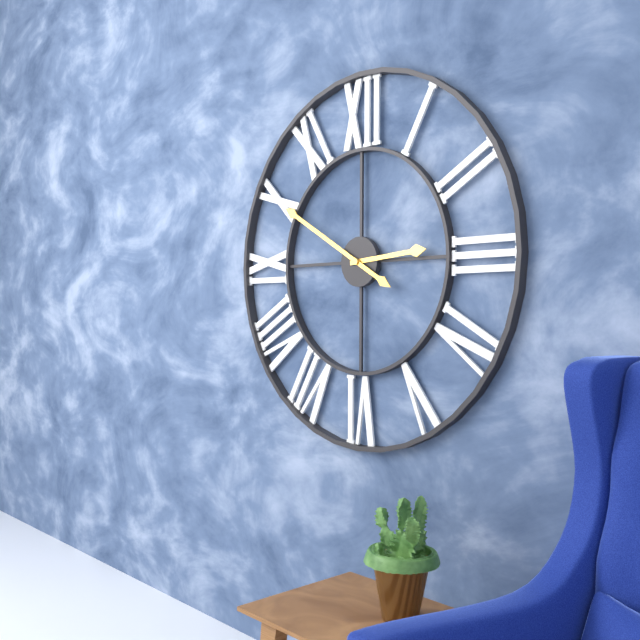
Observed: 2.50
